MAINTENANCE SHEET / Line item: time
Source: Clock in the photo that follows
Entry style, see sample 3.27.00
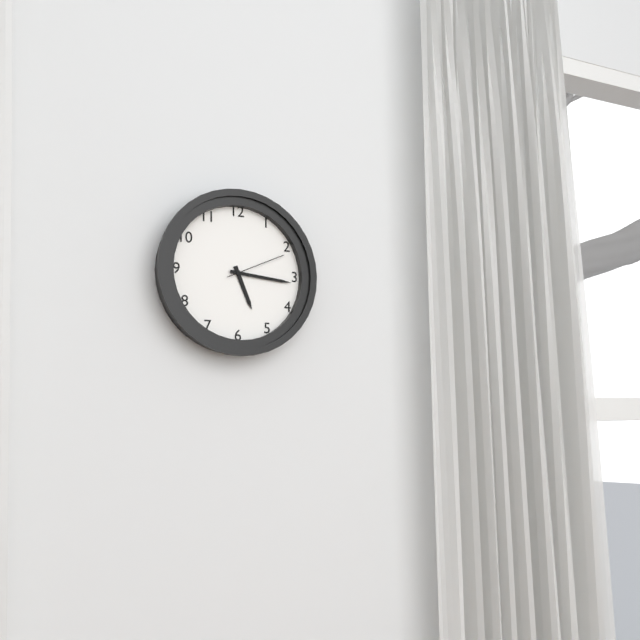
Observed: 5.16.11
